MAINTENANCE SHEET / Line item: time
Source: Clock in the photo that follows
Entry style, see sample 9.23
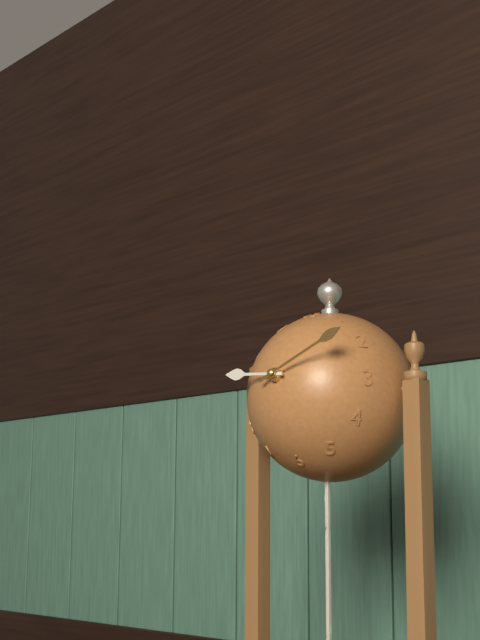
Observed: 9.11
